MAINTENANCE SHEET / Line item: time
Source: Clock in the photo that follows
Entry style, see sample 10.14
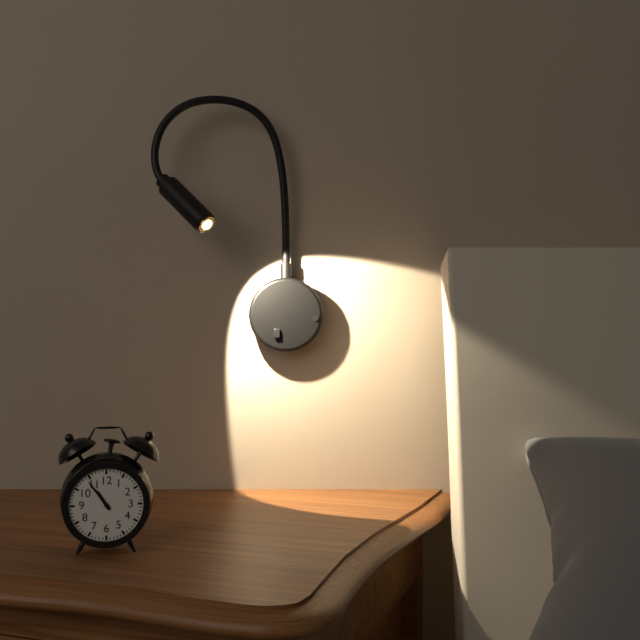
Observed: 10.54
